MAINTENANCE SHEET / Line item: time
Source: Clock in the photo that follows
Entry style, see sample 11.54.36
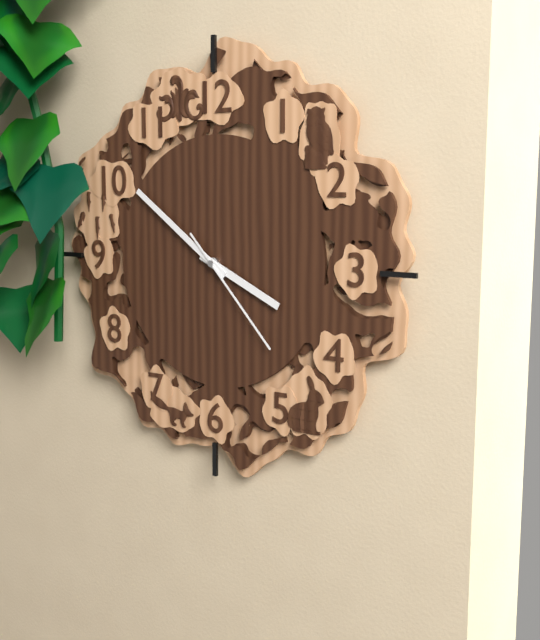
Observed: 3.51.23
